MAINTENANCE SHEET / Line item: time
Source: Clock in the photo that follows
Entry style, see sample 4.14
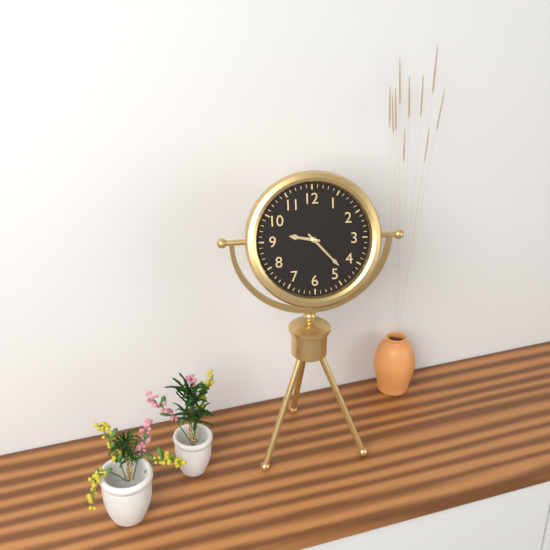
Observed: 9.23
